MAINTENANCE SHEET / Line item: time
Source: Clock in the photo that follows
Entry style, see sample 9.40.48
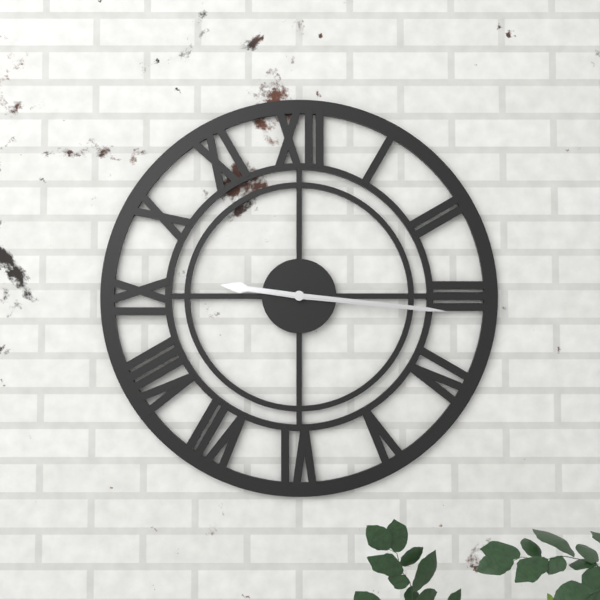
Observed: 9.16.16
